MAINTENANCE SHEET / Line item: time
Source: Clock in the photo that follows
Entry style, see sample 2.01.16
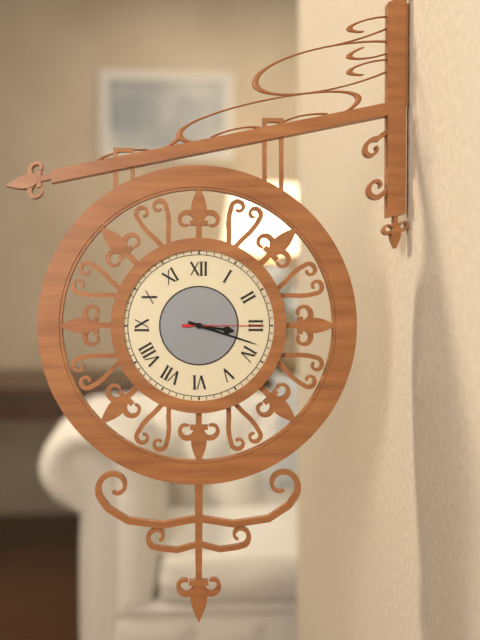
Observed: 3.18.15
